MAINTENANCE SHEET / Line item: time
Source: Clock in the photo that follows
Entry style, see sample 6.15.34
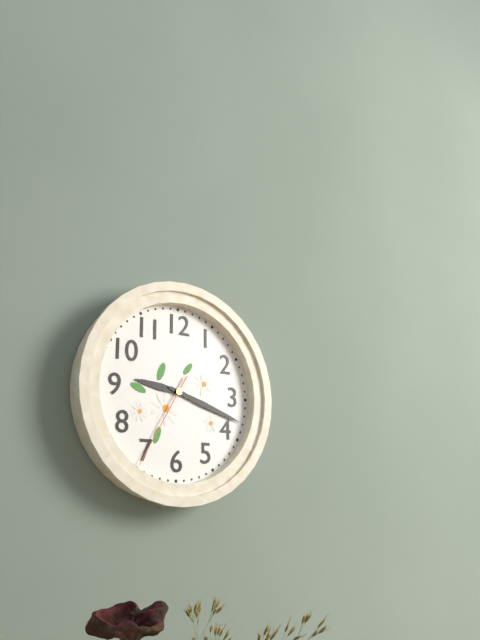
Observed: 9.18.35
